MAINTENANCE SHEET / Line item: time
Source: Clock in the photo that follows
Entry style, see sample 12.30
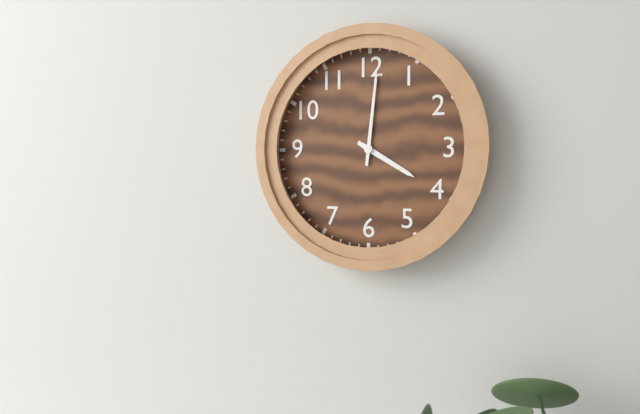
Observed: 4.01
